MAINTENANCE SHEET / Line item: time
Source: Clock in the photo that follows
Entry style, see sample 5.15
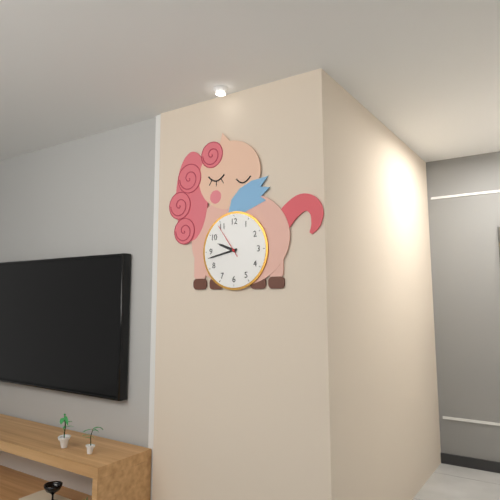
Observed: 9.43
